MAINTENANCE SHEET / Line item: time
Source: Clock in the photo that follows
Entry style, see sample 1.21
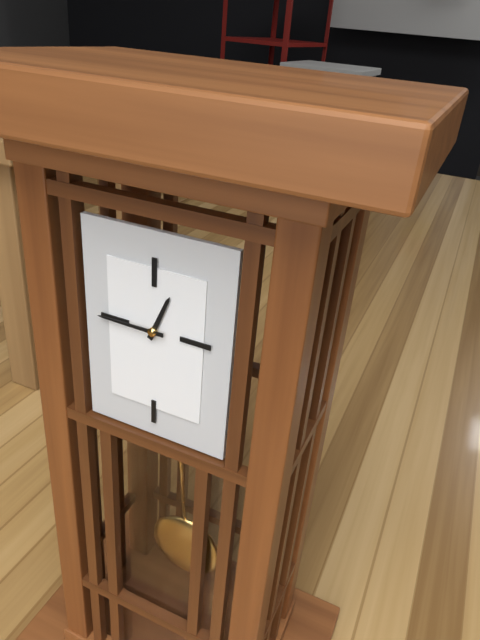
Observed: 12.45
